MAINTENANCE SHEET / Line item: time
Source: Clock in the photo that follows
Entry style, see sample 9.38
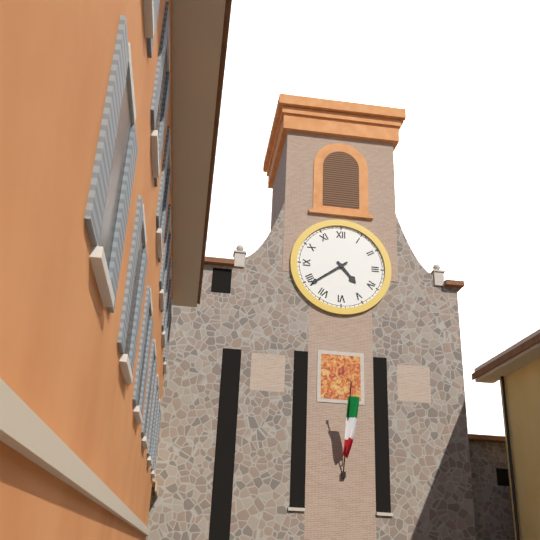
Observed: 4.39
